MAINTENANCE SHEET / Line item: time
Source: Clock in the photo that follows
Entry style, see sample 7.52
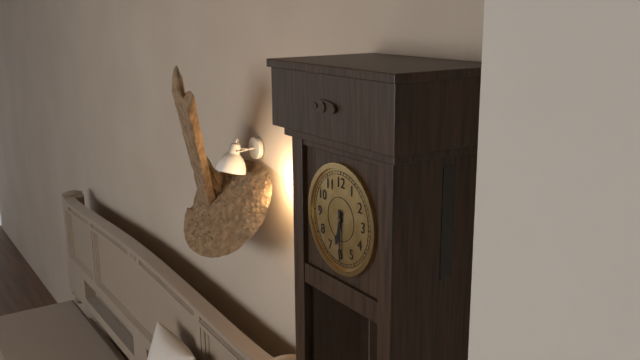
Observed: 6.30
